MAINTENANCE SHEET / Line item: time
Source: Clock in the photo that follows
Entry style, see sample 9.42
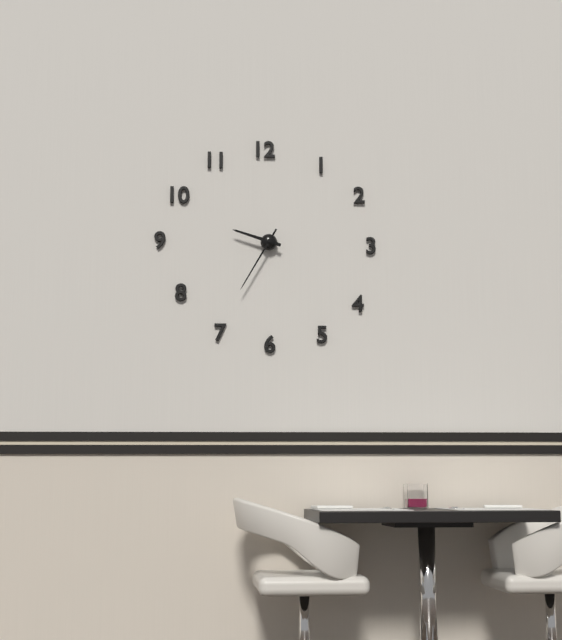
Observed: 9.35
